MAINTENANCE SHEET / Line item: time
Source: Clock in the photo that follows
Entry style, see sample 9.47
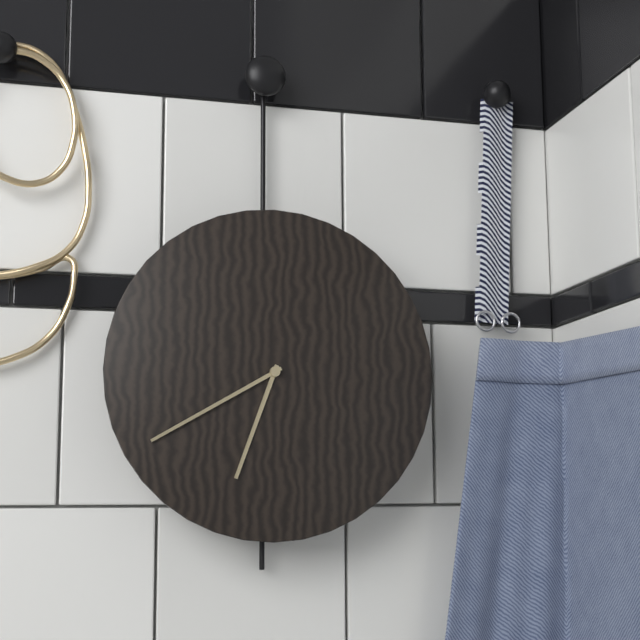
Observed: 6.40
